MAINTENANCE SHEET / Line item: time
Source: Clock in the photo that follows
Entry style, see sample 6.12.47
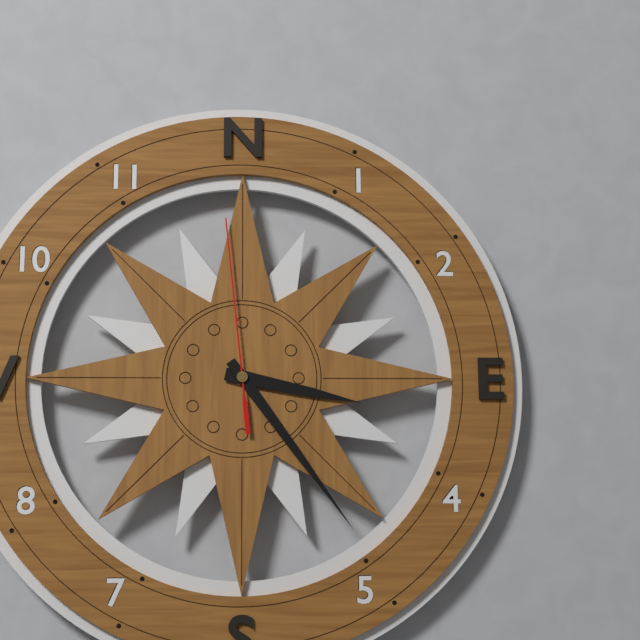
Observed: 3.24.59
